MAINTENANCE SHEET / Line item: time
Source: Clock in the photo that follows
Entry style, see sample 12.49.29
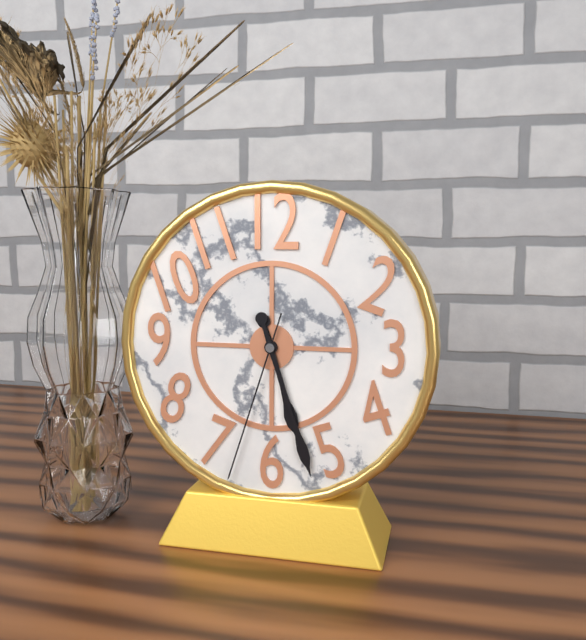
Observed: 5.27.33
